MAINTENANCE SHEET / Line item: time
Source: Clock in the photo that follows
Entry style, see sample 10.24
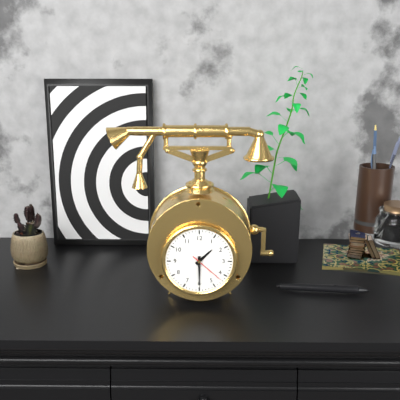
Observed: 1.30
